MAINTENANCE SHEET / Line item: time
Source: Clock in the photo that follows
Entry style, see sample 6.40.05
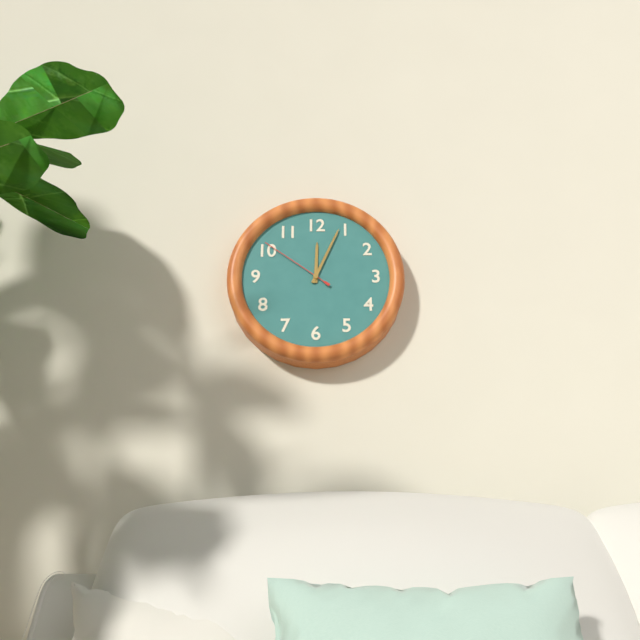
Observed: 12.04.51
